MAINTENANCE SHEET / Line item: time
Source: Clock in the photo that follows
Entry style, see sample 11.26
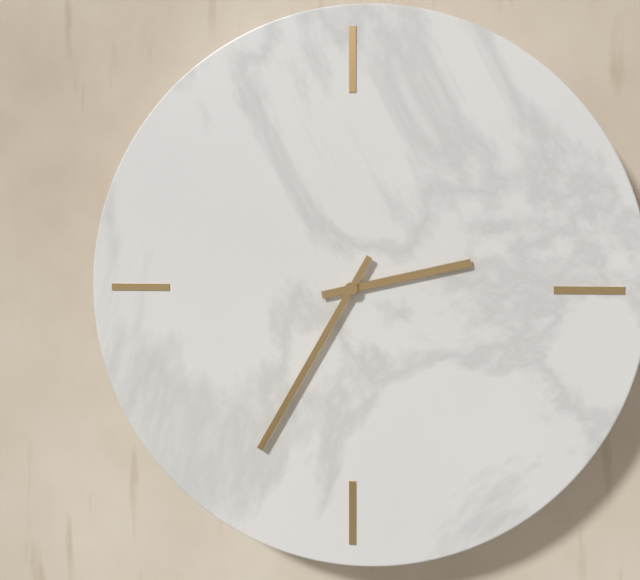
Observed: 2.35
